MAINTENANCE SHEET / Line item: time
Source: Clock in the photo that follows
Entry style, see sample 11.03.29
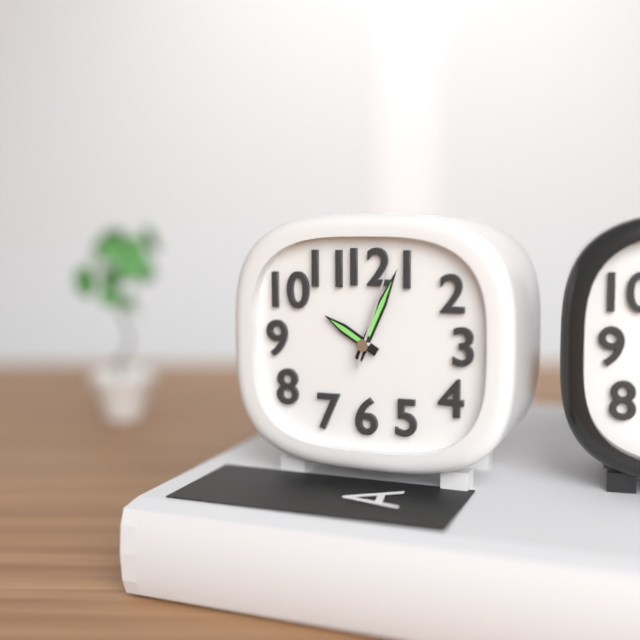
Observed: 10.04.03
